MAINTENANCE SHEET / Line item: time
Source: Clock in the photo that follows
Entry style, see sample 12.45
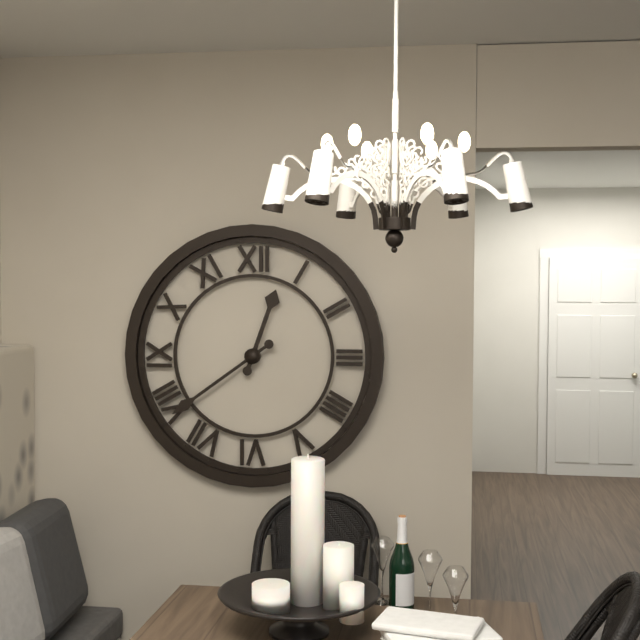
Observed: 12.39
